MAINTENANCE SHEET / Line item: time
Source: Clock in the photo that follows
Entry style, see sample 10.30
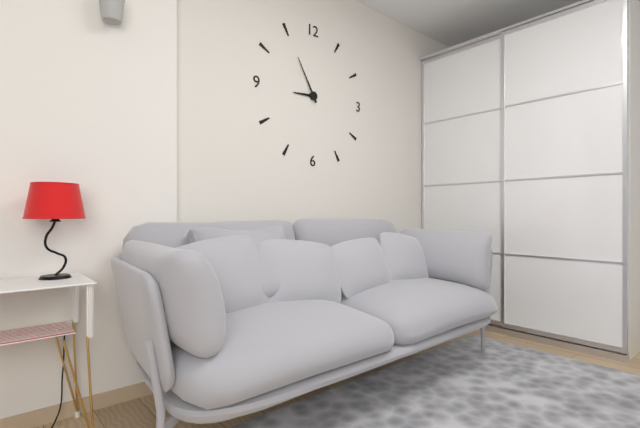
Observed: 8.55
